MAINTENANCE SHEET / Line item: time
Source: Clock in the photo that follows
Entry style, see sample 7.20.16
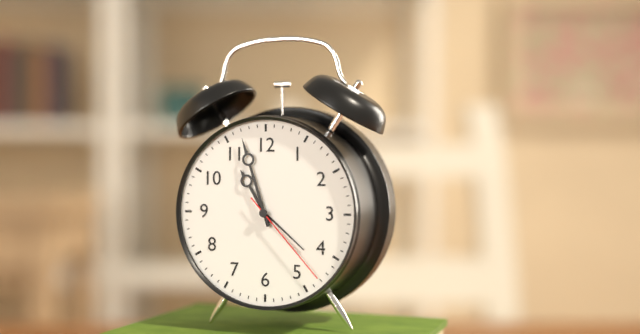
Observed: 10.57.23
